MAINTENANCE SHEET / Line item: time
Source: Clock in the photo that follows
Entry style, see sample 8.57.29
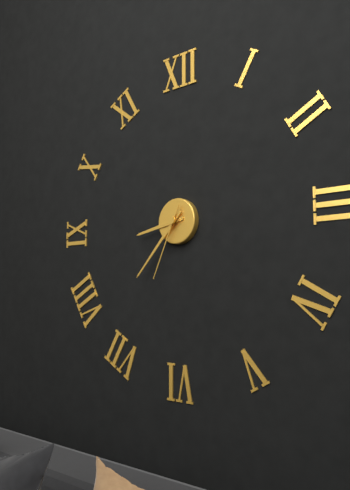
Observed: 8.37.34
